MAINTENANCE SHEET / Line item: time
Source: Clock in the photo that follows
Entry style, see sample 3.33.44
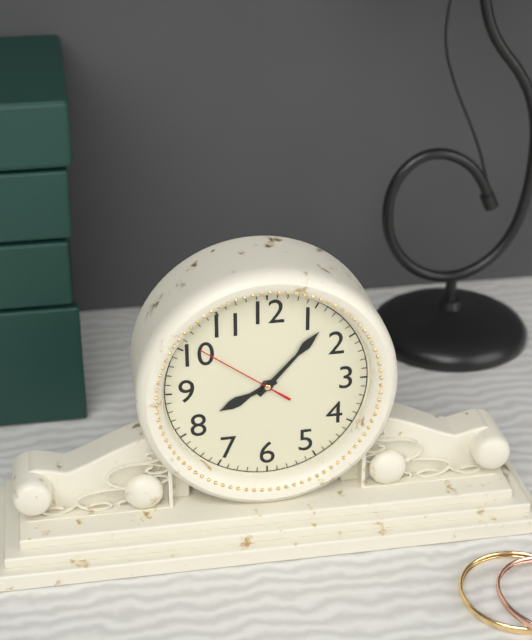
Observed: 8.07.51
